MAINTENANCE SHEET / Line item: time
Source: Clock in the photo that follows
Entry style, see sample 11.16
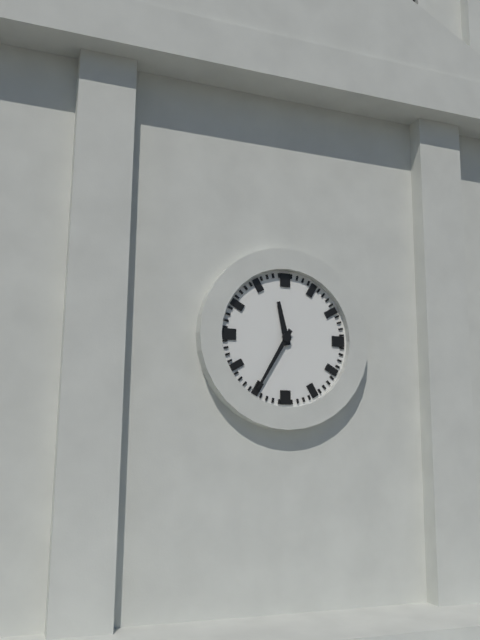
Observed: 11.35
